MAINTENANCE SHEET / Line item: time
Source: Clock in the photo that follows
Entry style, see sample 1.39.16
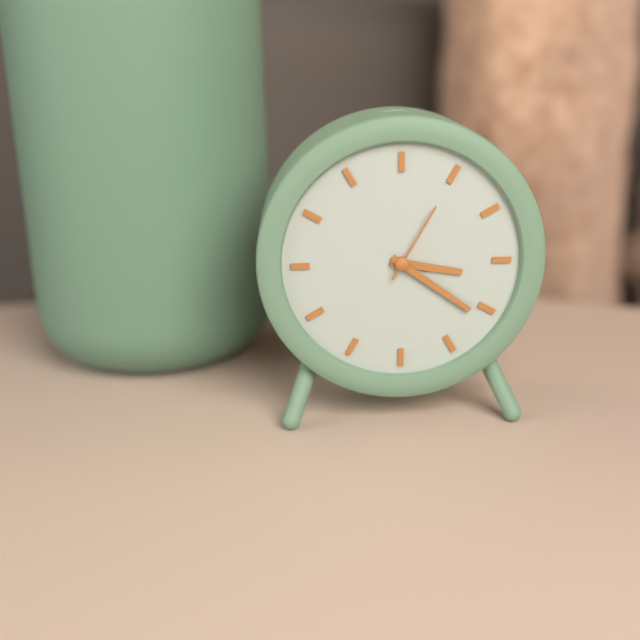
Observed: 3.21.05
